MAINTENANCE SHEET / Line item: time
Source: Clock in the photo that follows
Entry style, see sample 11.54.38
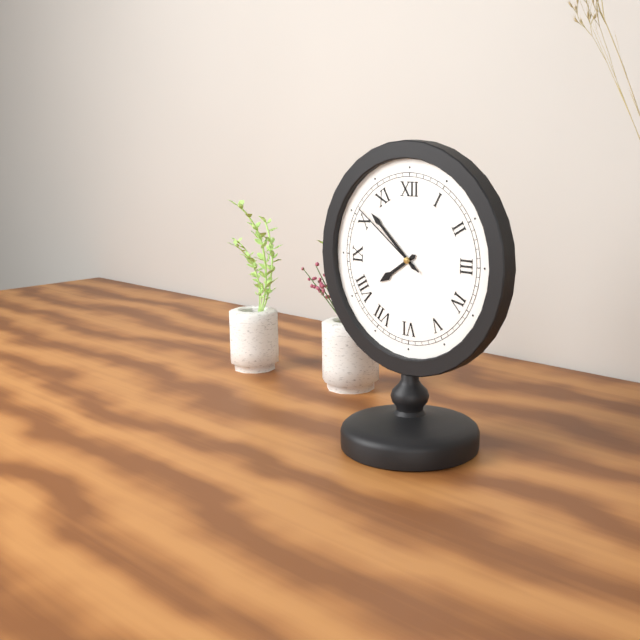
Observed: 7.52.51
